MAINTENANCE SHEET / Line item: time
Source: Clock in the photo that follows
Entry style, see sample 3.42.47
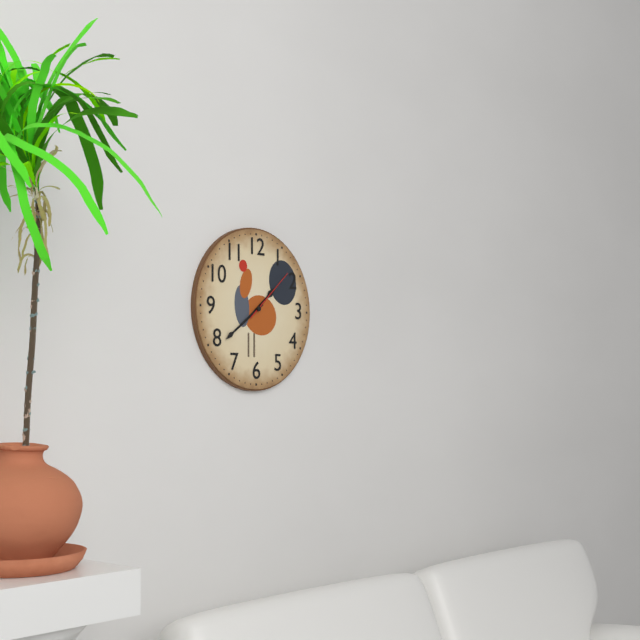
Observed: 1.39.08
